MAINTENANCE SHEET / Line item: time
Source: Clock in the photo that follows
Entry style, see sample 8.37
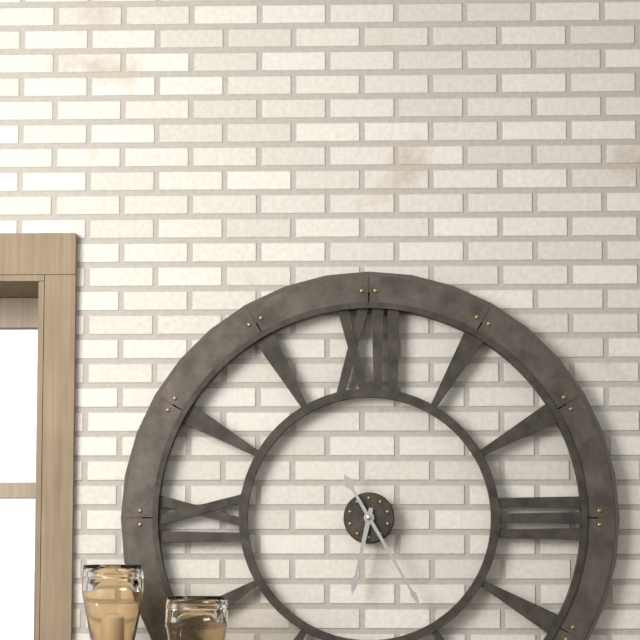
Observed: 6.25
